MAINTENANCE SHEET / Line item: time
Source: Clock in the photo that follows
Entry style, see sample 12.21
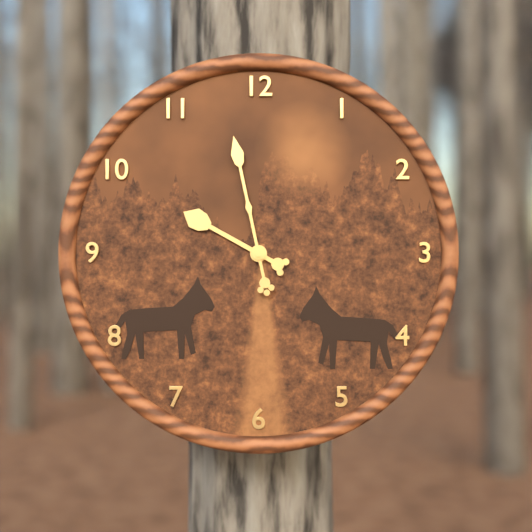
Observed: 9.58
